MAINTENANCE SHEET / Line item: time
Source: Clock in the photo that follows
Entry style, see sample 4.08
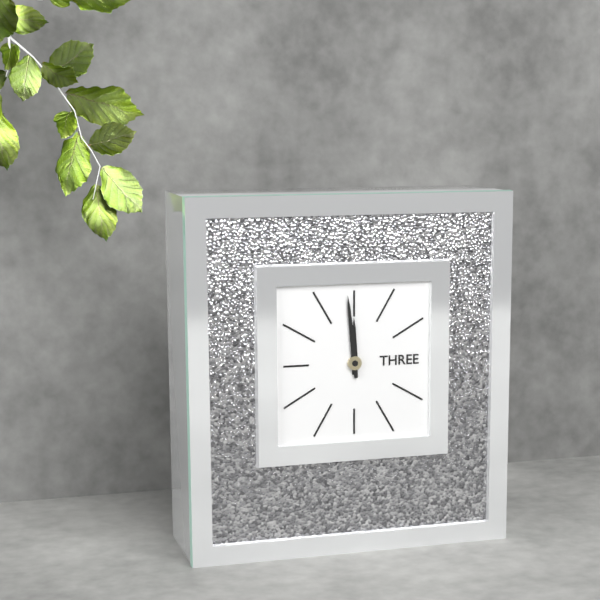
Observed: 11.59
